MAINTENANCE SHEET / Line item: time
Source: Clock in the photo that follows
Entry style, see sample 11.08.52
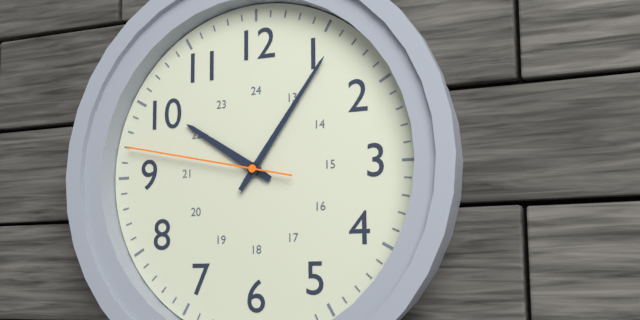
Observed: 10.06.47
